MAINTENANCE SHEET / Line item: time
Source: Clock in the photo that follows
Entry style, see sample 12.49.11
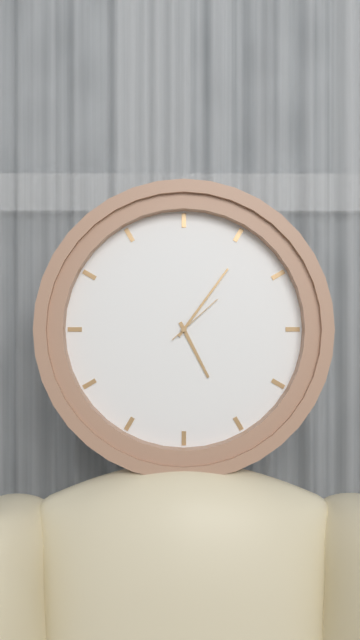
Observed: 5.06.08
